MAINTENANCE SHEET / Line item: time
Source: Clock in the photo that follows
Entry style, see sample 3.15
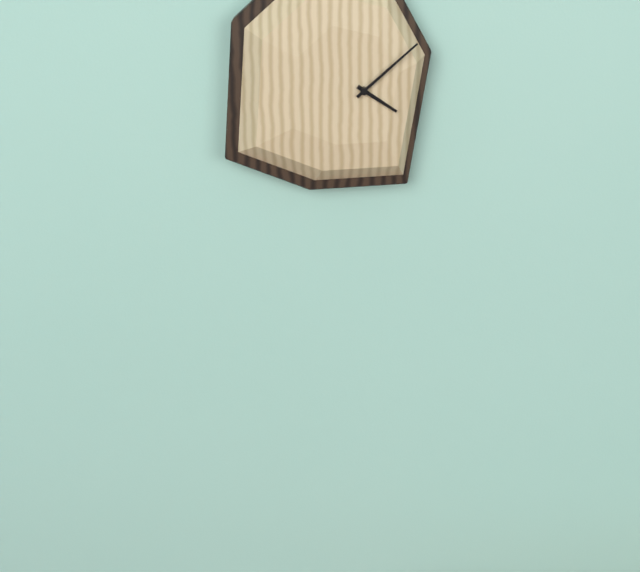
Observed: 4.08
